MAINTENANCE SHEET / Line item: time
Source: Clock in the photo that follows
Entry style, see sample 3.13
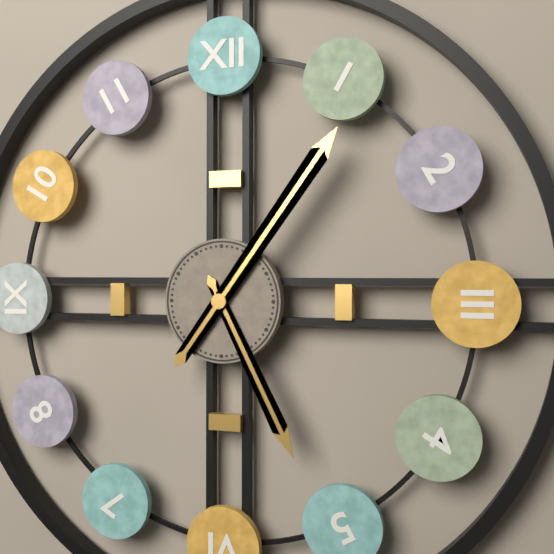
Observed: 5.06
